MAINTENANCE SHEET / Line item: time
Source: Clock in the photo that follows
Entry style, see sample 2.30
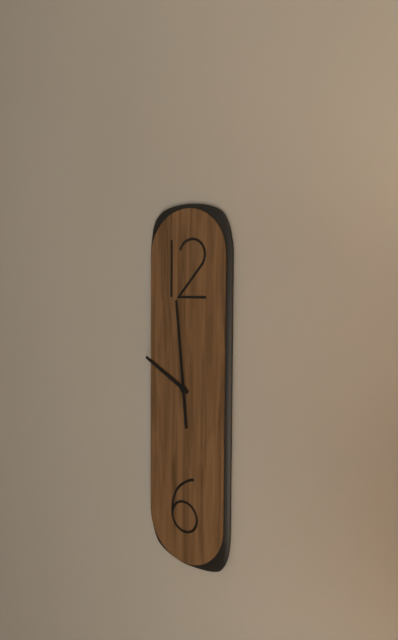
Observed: 9.59
